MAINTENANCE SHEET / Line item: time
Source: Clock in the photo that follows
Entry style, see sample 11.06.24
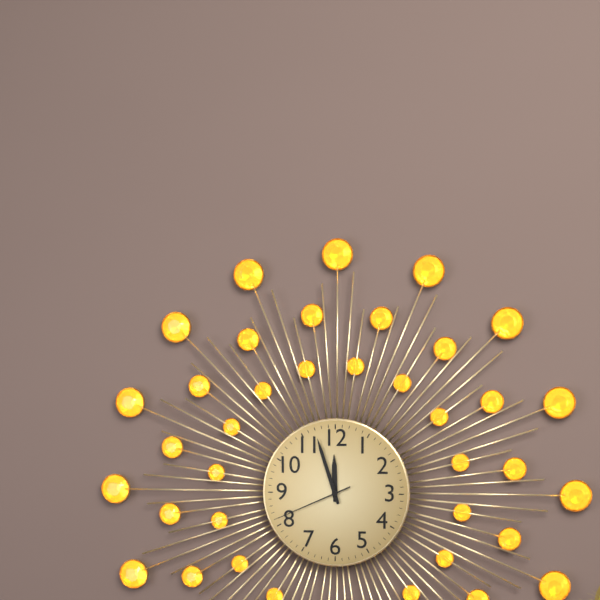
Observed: 11.57.41
